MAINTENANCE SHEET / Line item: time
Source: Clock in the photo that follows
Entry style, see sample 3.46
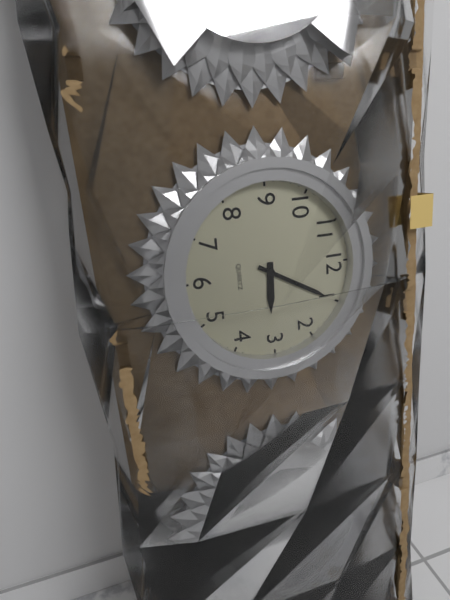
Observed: 3.05
